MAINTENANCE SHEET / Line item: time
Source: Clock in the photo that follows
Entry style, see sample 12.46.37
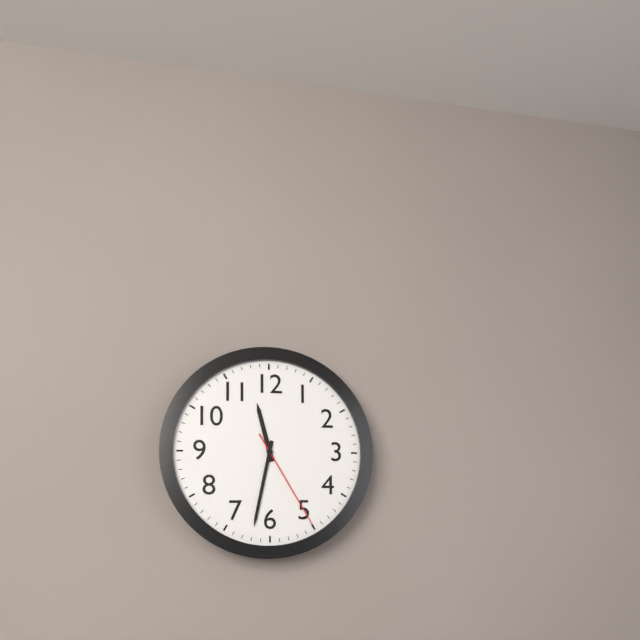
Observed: 11.32.25
